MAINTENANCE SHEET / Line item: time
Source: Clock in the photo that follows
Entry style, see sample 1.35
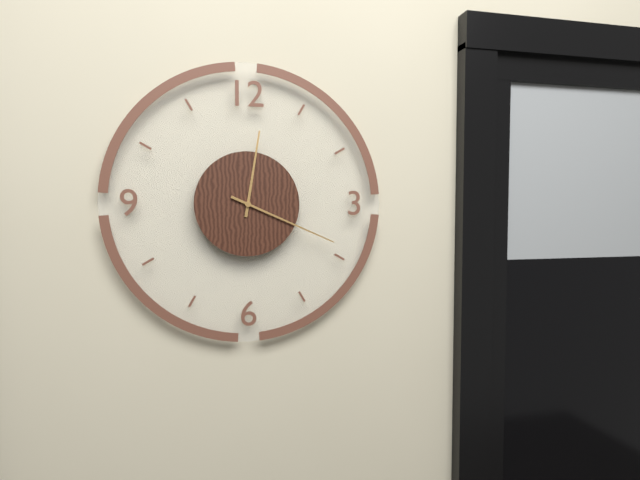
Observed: 12.19
